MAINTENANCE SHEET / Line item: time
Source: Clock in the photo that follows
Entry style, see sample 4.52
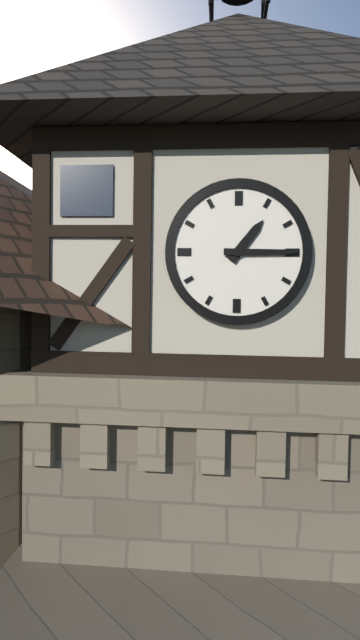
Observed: 1.15
